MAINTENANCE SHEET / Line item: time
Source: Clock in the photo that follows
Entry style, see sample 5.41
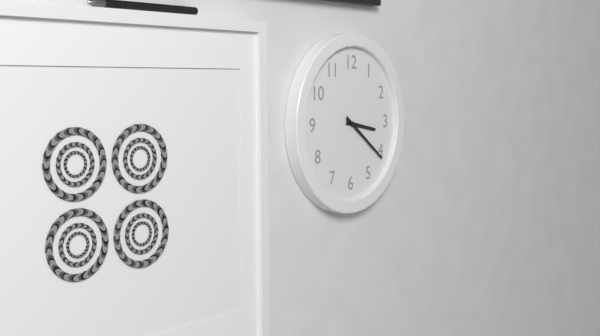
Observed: 3.21
